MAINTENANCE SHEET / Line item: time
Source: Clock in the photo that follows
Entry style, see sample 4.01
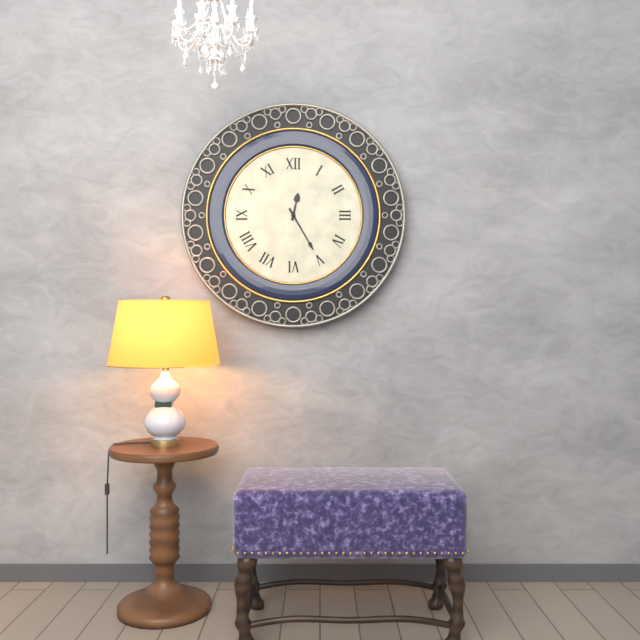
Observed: 12.25
